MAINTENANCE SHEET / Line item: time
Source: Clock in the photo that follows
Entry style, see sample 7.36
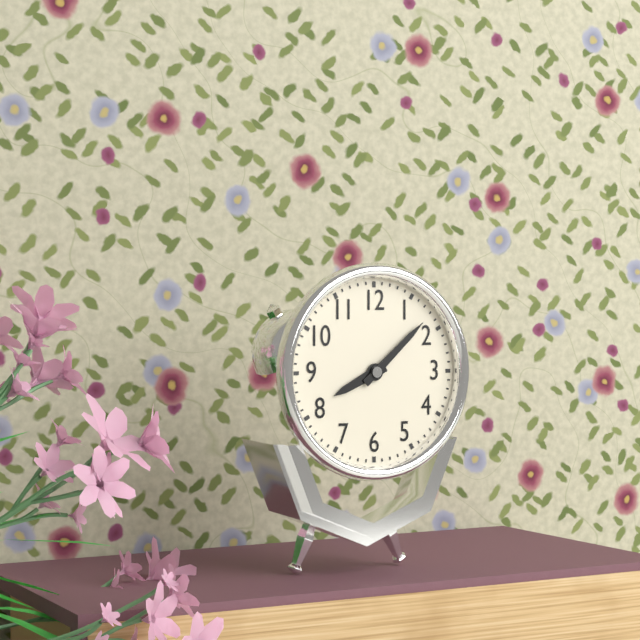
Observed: 8.08
